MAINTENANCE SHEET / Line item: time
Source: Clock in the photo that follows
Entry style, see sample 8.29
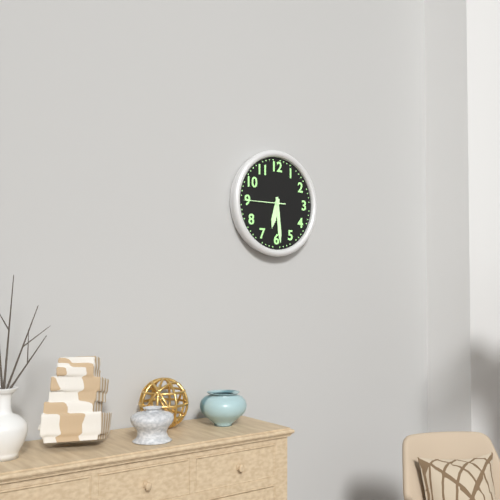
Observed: 6.29
